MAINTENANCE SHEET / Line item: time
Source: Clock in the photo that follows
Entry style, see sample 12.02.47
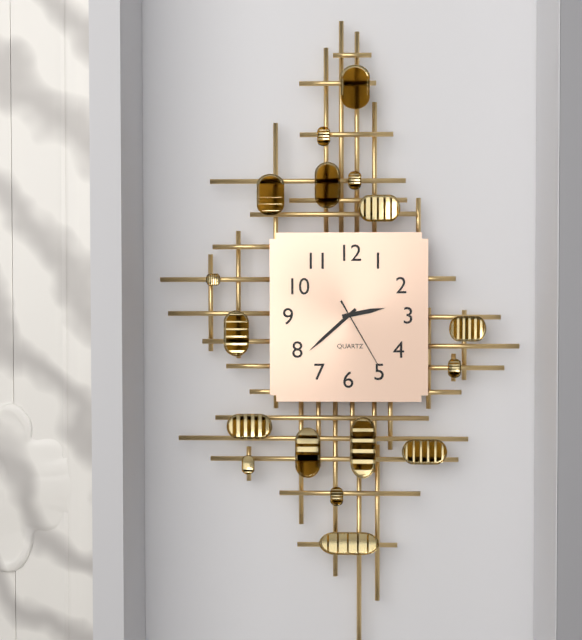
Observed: 2.38.25
